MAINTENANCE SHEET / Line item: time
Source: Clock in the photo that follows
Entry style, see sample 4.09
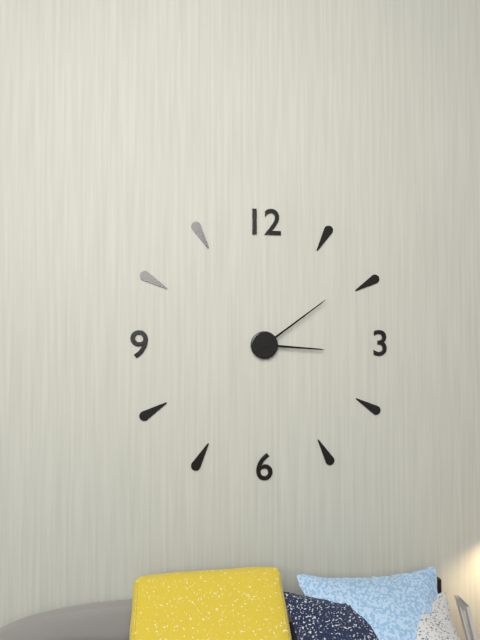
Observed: 3.09
